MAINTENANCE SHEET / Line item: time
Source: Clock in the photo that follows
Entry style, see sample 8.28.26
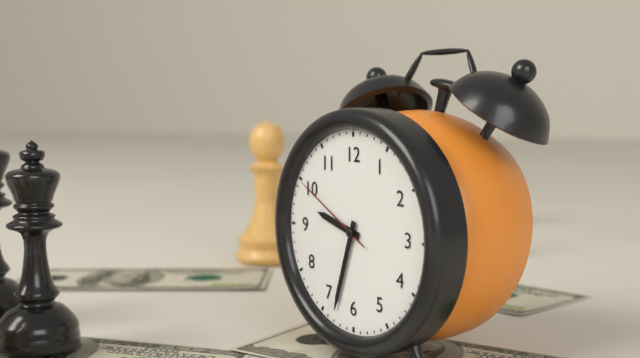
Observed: 9.33.50
